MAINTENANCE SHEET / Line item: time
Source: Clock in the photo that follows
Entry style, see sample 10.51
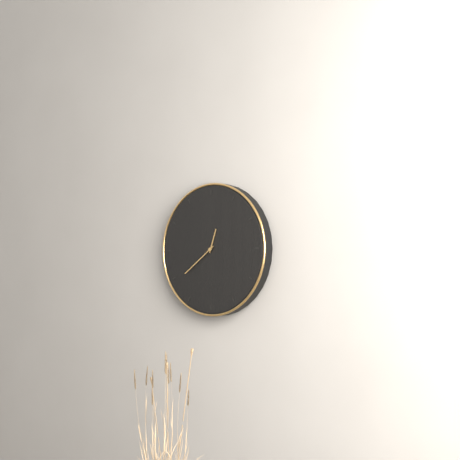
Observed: 12.39
